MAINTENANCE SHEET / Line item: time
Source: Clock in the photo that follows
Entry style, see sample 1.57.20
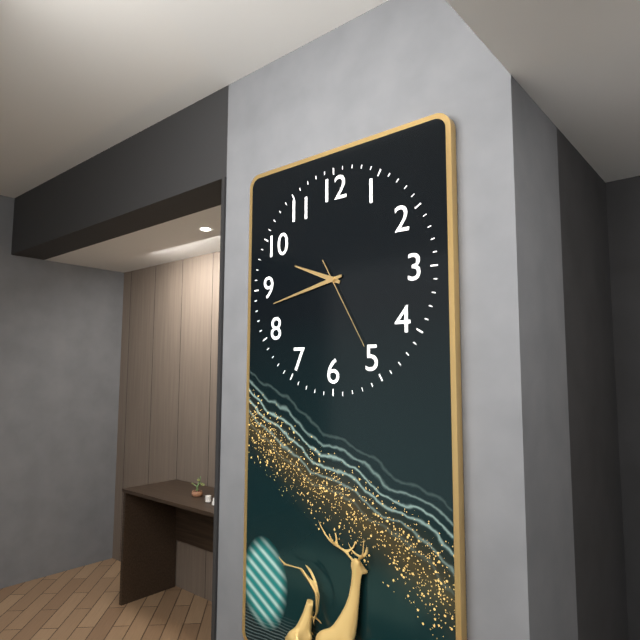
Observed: 9.43.25
